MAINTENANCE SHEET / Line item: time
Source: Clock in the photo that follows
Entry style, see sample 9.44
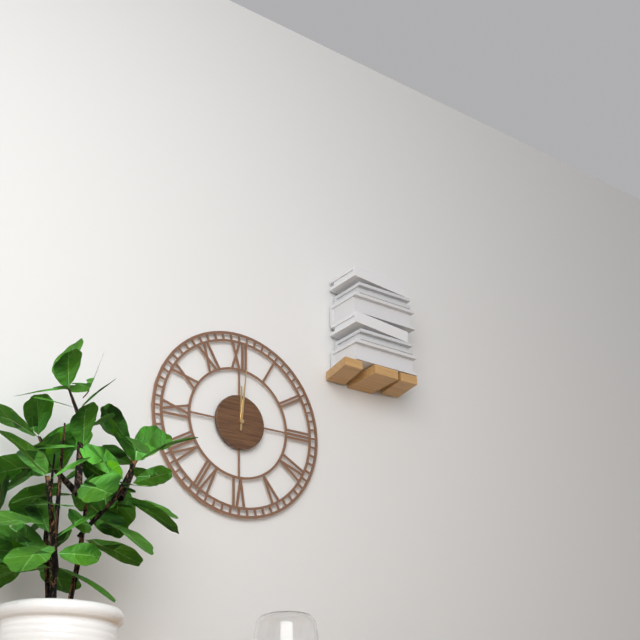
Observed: 12.01
